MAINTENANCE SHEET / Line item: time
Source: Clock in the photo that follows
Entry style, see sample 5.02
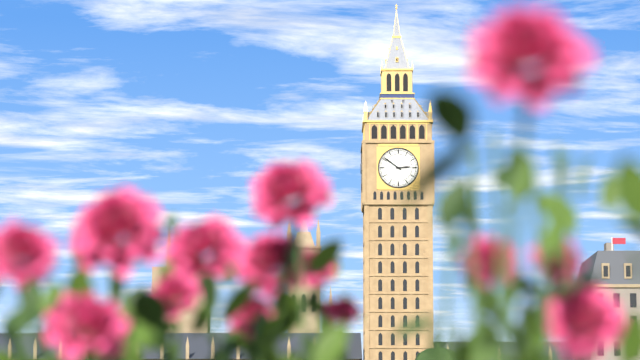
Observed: 2.51
